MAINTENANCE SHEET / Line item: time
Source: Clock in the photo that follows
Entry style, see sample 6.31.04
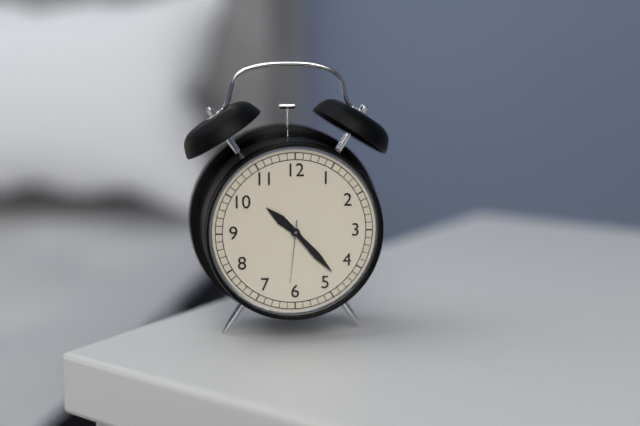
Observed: 10.23.31
